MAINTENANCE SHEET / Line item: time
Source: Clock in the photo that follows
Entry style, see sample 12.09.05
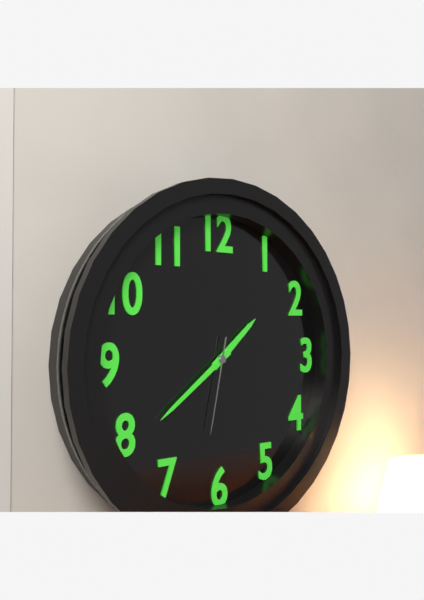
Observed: 1.39.32
